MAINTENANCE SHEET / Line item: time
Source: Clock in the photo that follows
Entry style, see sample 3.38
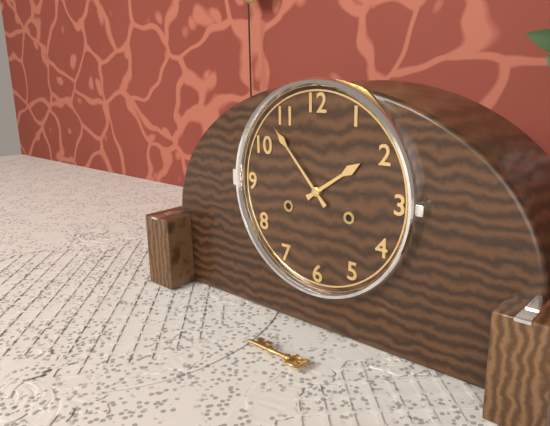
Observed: 1.53
